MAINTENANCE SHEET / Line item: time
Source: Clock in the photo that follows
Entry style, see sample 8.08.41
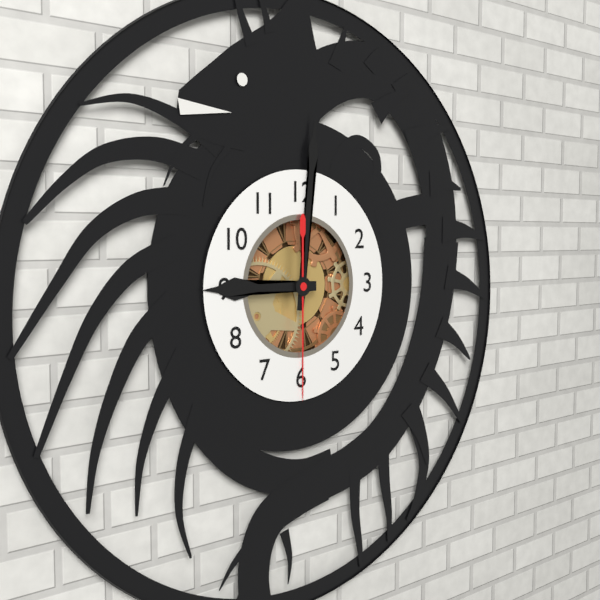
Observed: 9.01.30
